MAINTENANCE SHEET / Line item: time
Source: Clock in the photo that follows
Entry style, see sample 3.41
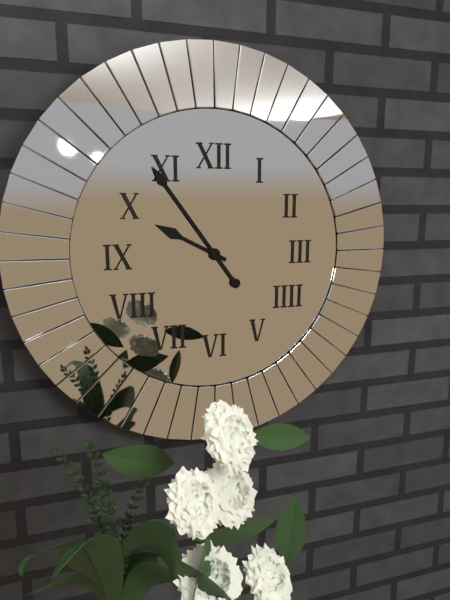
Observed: 9.54
